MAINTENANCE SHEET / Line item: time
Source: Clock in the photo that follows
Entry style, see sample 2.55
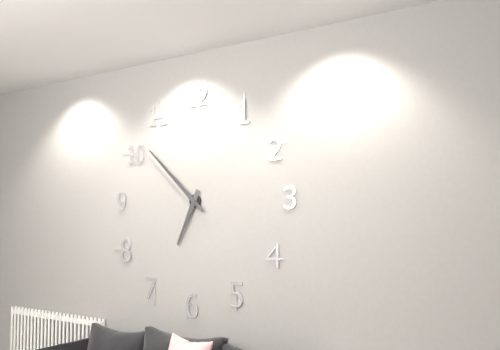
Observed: 6.52
